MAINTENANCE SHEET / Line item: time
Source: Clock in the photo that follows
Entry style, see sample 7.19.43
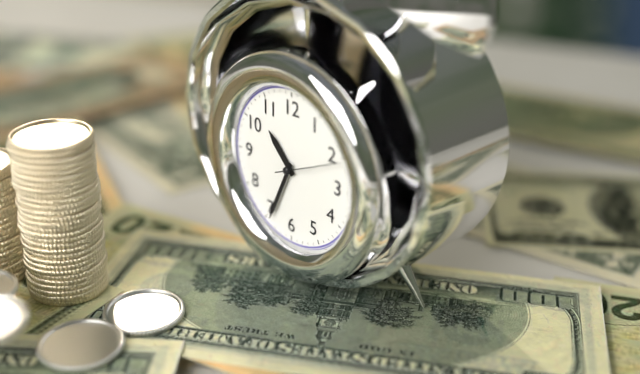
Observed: 10.34.11
